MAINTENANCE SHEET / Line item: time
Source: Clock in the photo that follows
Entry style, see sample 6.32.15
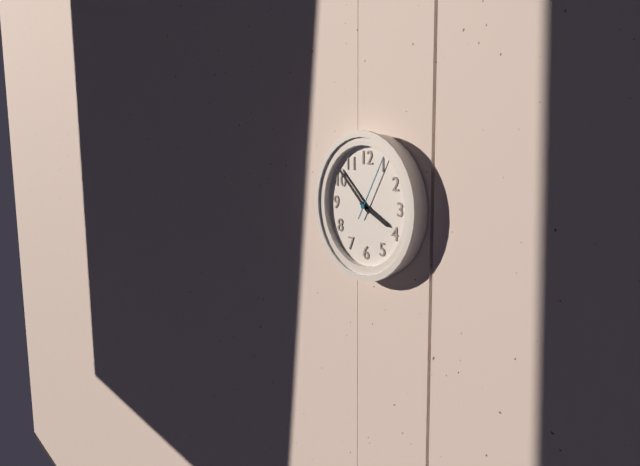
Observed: 3.52.05
